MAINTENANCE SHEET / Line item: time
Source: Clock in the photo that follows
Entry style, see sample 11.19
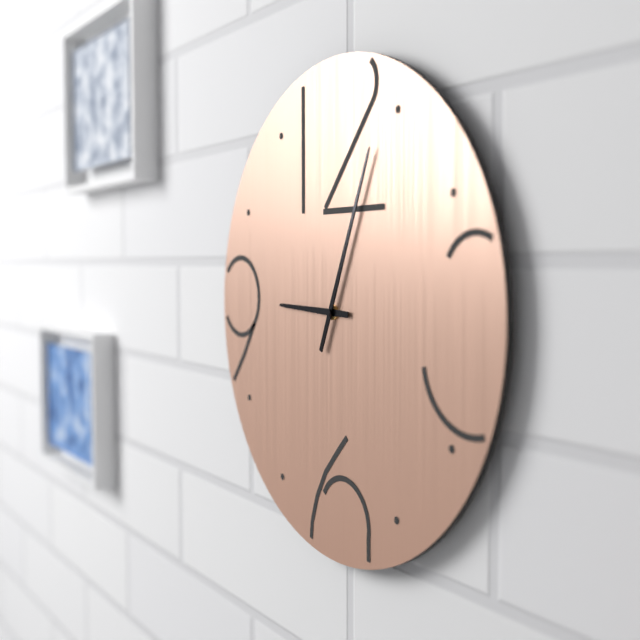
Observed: 9.04
